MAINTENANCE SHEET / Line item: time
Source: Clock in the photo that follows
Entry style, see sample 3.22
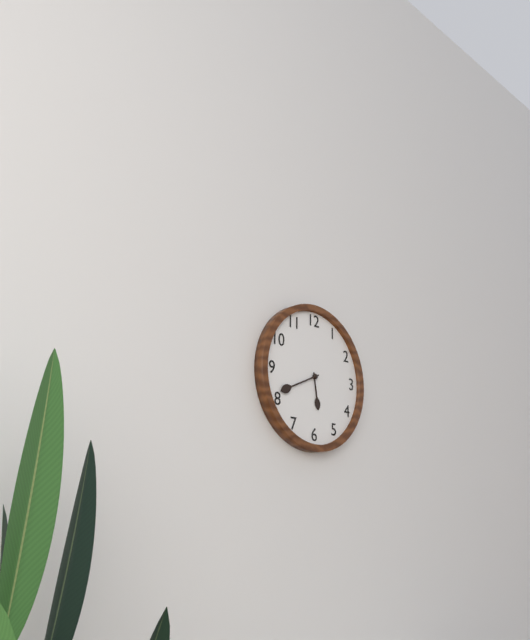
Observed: 5.41
